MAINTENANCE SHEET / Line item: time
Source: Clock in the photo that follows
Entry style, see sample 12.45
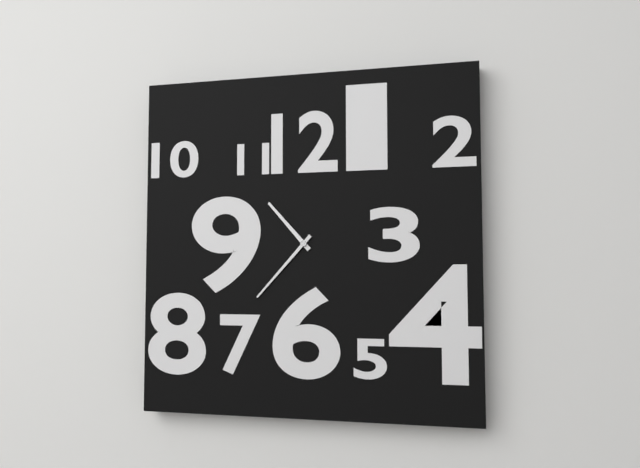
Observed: 10.37
